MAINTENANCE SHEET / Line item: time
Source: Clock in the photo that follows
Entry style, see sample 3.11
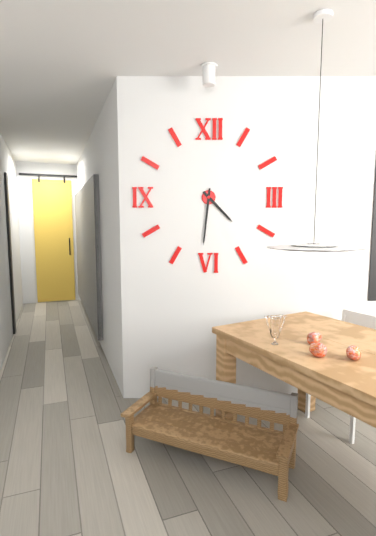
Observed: 4.31
